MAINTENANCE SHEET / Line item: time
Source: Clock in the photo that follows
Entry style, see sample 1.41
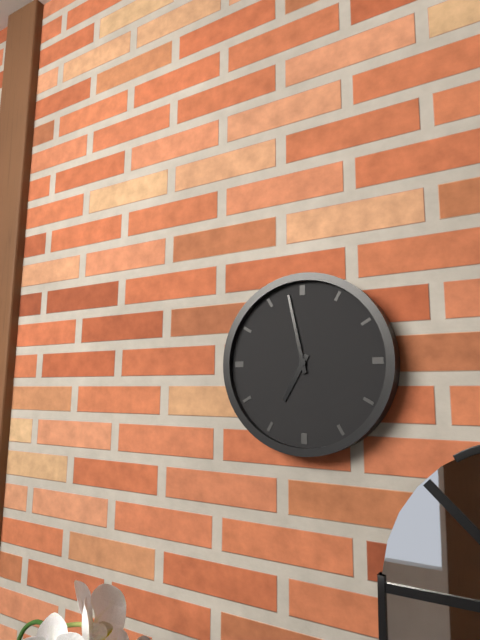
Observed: 6.58
